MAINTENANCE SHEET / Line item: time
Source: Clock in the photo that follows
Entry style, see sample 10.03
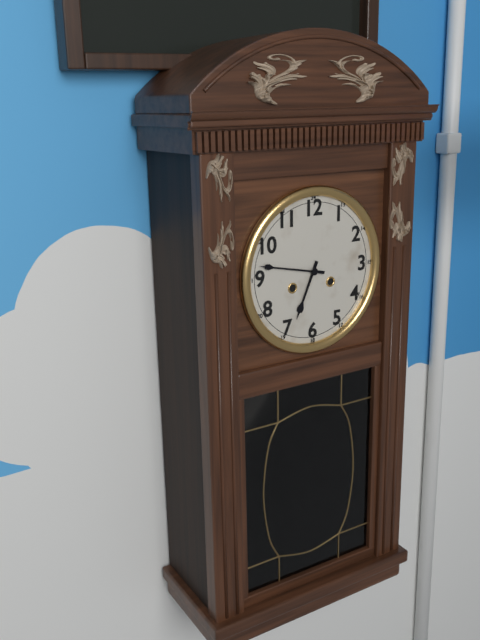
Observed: 6.47
